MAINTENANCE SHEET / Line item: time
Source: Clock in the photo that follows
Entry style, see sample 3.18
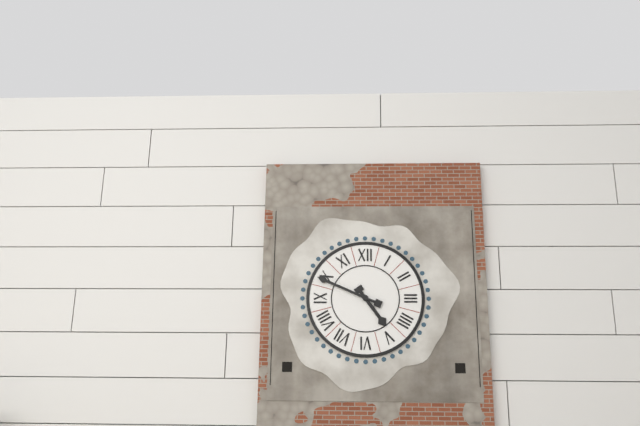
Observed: 4.49
